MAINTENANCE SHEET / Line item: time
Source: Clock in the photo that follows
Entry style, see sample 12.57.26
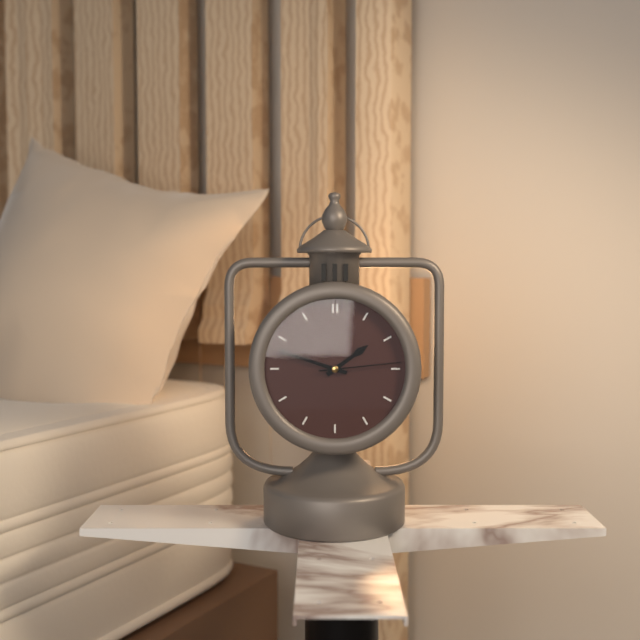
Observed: 1.48.14
